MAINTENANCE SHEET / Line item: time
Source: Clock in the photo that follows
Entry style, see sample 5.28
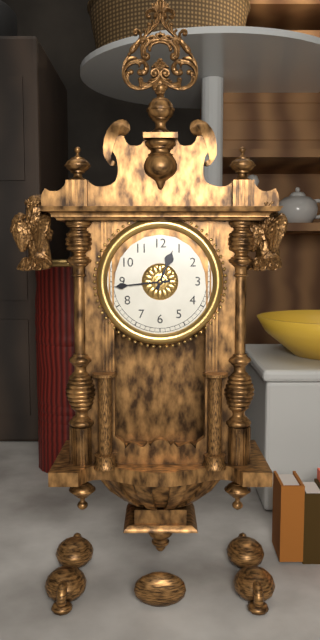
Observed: 12.44
